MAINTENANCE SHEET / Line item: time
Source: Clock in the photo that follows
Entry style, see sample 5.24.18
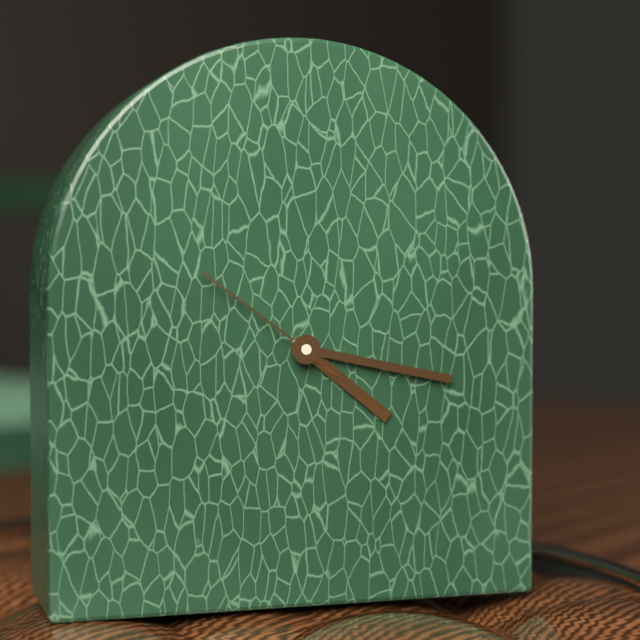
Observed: 4.17.51
